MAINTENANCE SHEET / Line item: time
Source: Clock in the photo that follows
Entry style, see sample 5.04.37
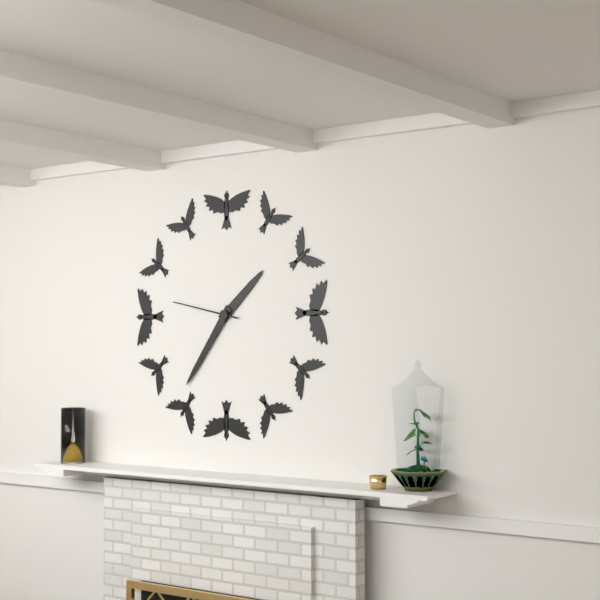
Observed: 1.36.47
